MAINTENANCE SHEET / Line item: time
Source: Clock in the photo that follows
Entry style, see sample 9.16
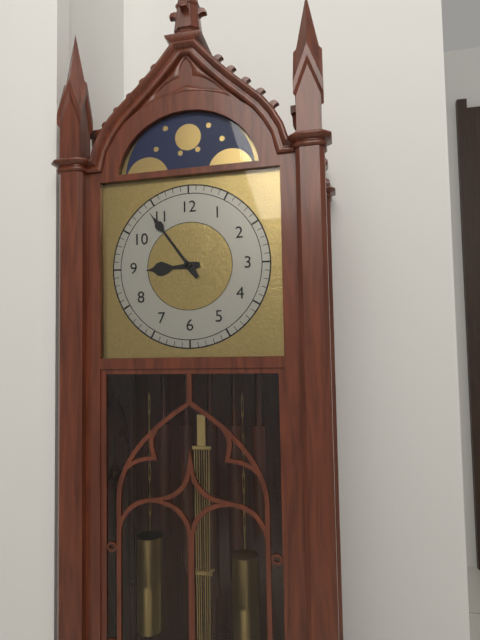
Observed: 8.54
